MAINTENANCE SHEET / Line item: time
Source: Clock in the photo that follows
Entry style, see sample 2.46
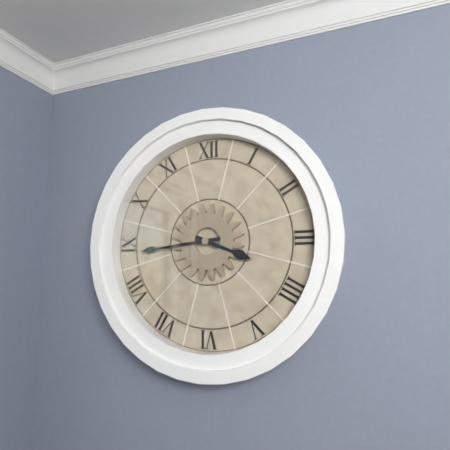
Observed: 3.44
